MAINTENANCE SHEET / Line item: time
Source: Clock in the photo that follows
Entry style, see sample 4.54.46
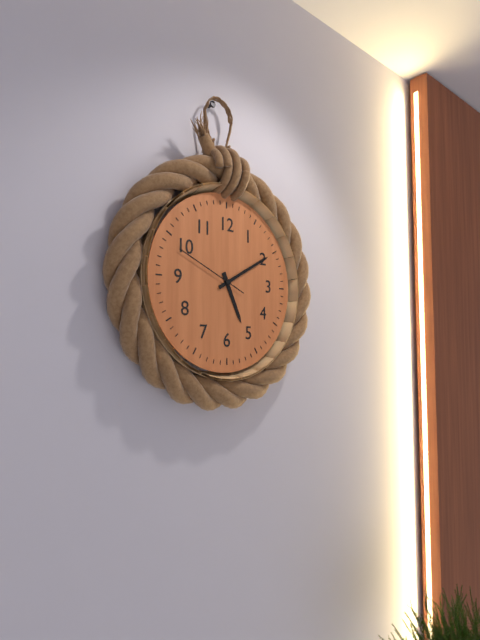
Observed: 5.10.49
